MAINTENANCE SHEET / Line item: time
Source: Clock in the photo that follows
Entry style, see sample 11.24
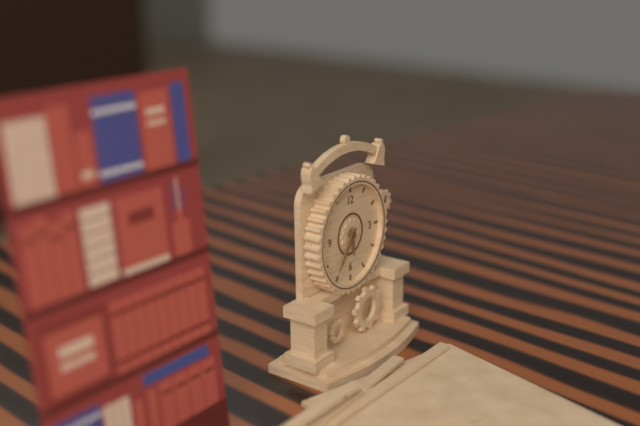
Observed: 5.36
